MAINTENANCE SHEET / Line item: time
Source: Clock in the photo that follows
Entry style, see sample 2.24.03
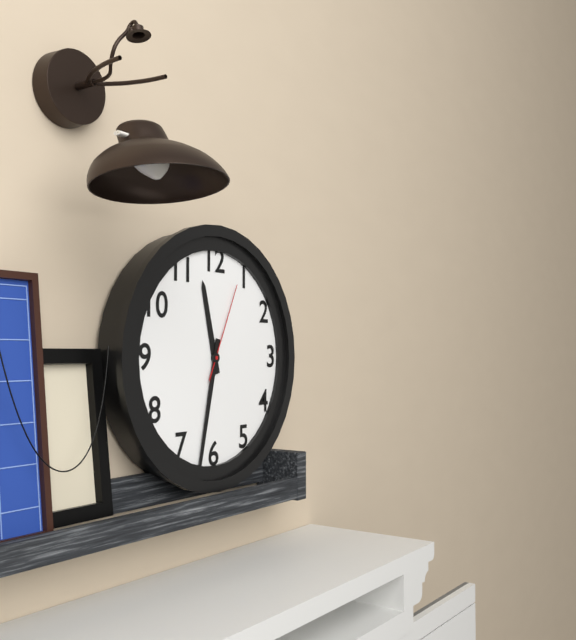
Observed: 11.32.04
